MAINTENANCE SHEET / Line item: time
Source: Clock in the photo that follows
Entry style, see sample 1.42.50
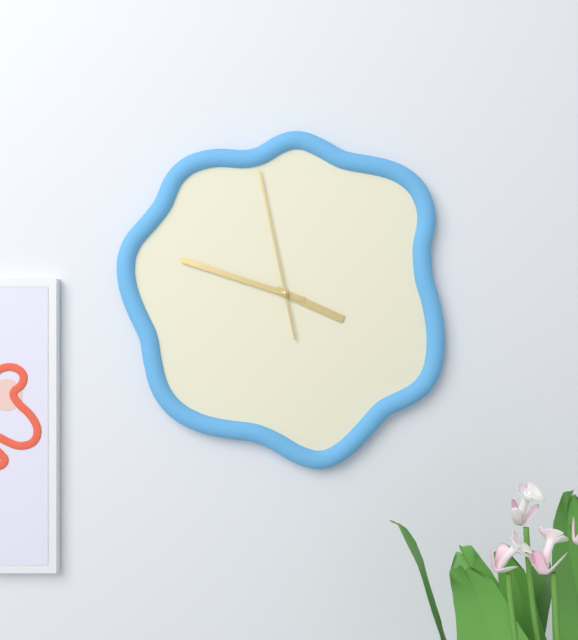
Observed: 3.48.58
